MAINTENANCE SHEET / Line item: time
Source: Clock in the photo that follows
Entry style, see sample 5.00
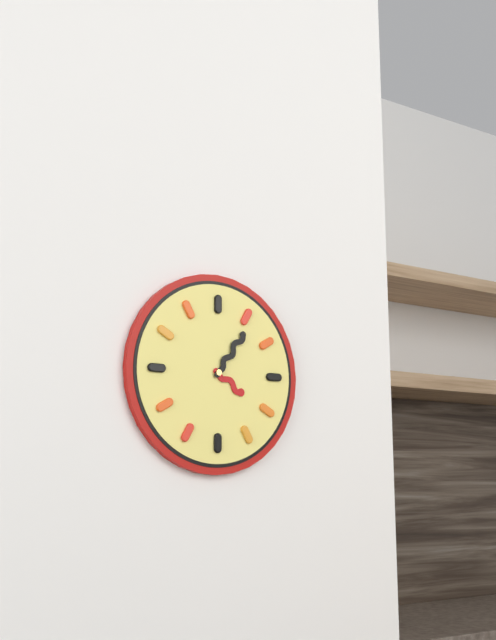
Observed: 4.06
